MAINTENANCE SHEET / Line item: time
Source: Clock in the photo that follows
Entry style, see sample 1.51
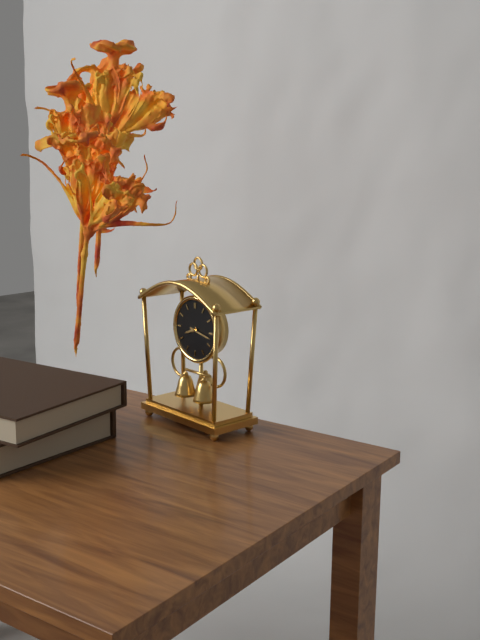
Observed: 8.17
